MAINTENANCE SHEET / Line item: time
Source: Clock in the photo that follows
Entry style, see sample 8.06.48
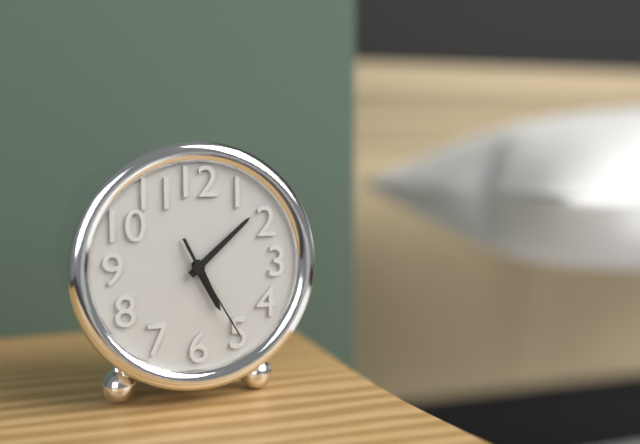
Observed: 5.08.25
